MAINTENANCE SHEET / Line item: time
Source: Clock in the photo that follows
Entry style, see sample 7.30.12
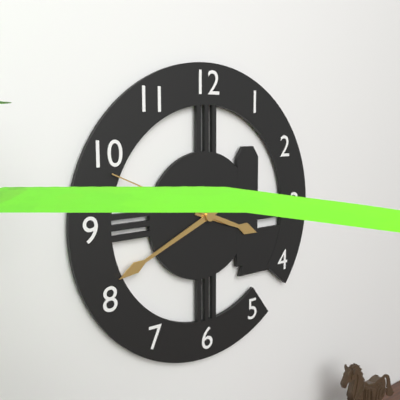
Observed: 3.41.49
